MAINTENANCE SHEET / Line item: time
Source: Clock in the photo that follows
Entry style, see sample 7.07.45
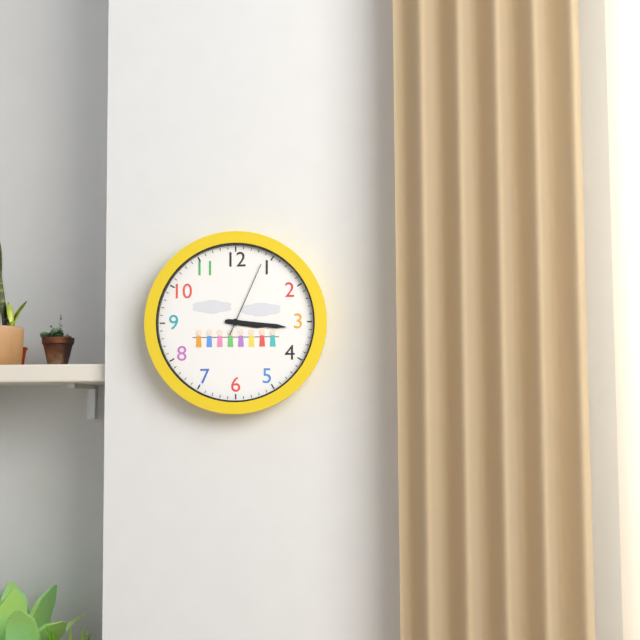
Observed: 3.16.04
